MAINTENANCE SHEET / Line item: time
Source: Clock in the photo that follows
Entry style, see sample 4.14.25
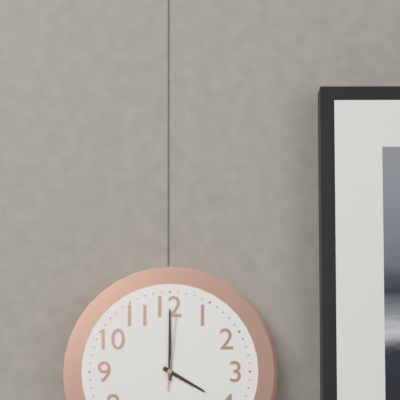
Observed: 4.00.01
